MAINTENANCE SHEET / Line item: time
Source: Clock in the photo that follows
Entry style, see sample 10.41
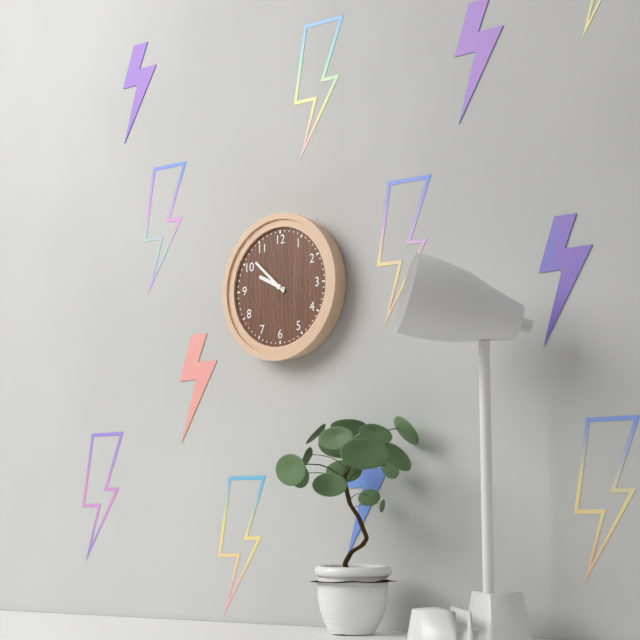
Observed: 9.52
